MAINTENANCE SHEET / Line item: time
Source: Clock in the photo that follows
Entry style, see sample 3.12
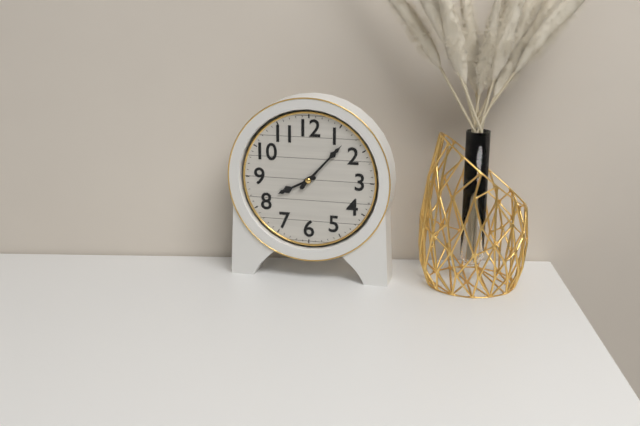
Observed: 8.07
